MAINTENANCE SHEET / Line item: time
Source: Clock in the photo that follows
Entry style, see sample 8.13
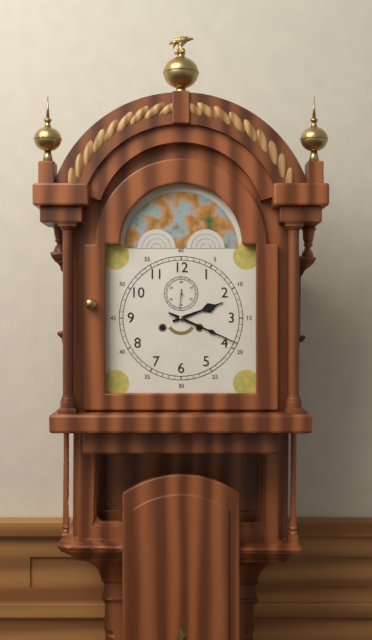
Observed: 2.19
